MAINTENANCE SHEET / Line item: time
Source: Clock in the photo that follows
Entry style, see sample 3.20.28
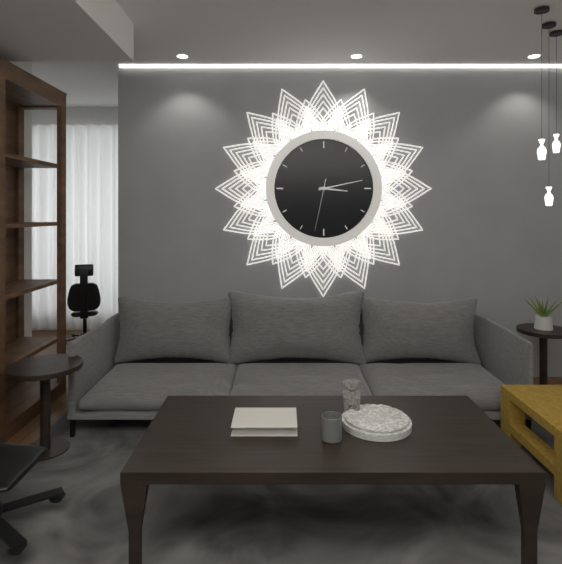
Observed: 3.13.32
